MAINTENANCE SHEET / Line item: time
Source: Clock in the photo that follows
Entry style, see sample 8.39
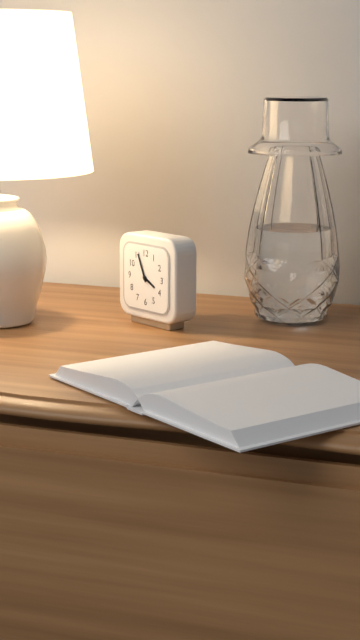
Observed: 3.56
